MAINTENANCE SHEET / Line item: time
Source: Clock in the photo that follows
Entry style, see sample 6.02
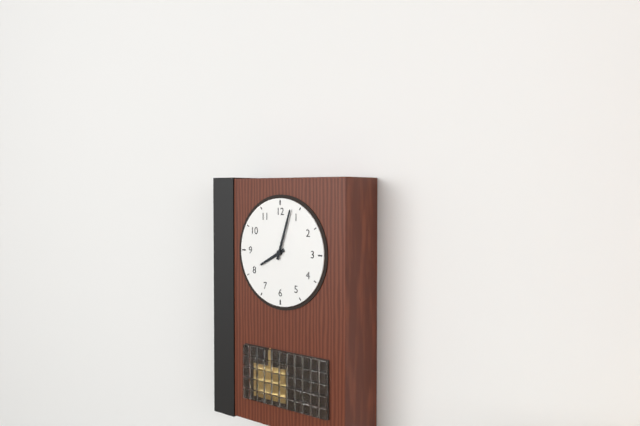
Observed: 8.03
